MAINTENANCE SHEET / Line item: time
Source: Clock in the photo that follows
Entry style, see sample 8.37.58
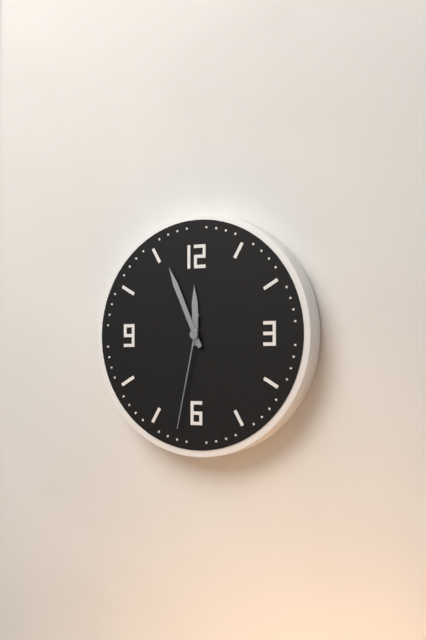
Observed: 11.56.32
